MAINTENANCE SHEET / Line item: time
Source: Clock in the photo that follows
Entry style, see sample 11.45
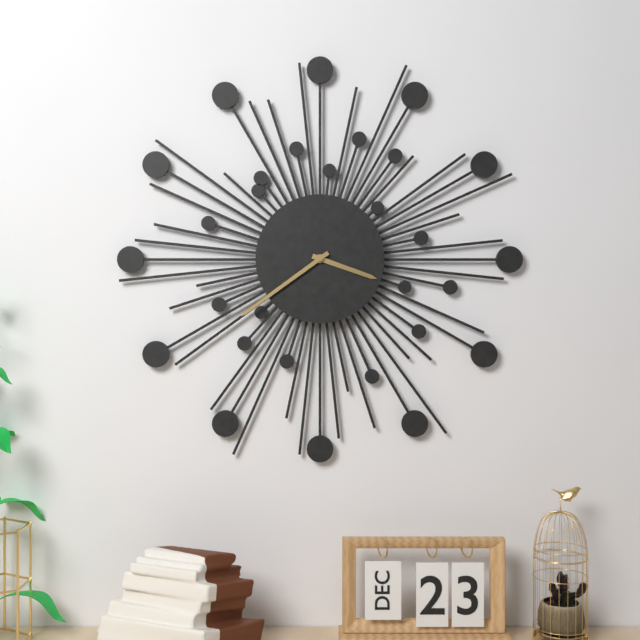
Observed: 3.39
